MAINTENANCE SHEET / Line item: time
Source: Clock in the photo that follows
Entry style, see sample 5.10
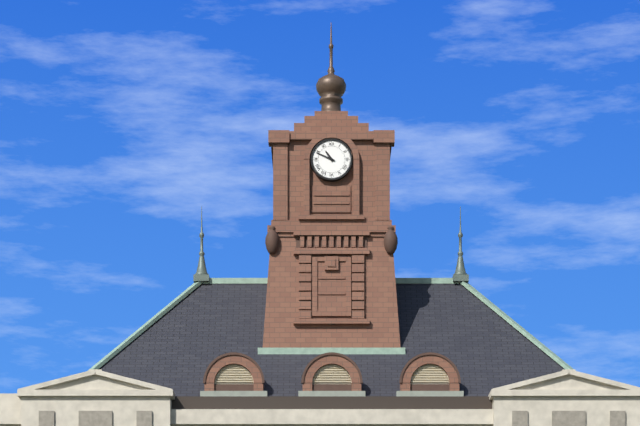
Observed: 10.49
